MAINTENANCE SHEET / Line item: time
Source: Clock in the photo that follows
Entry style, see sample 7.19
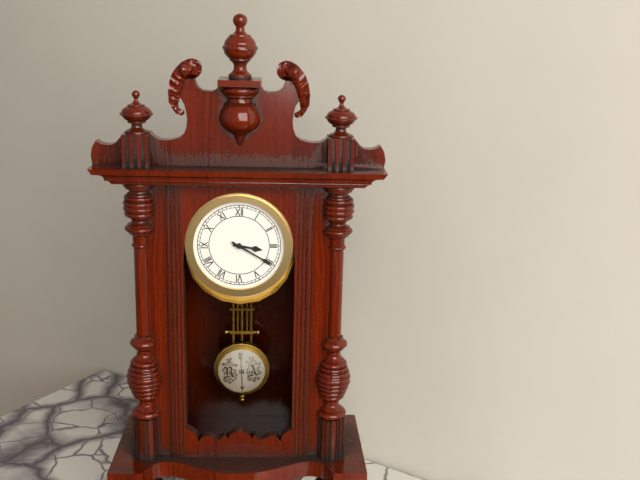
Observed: 3.20
